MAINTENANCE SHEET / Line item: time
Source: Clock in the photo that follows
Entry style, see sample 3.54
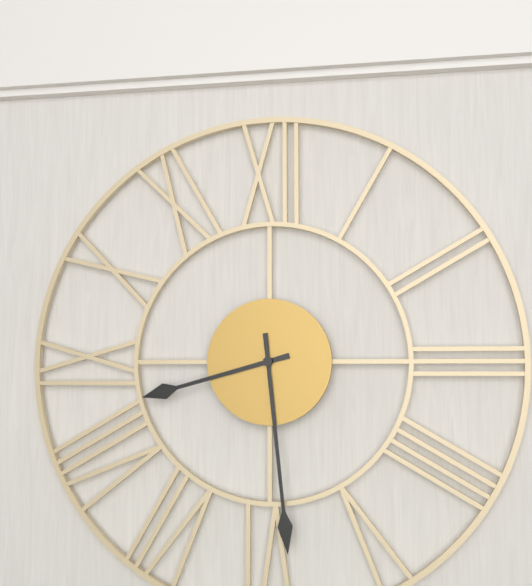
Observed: 8.29
